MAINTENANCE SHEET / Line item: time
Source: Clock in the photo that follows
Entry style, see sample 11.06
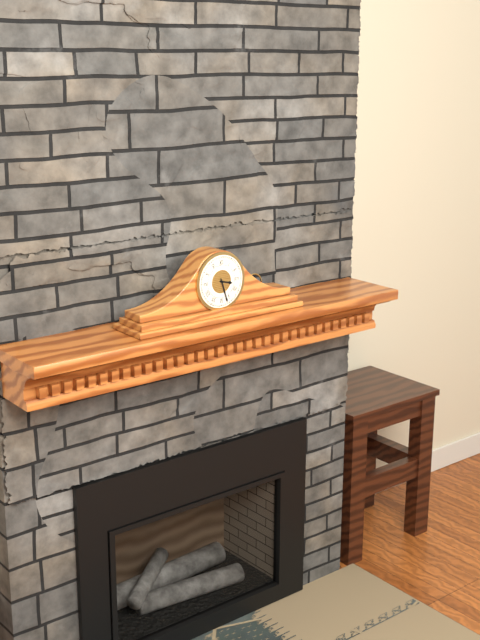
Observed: 3.27
